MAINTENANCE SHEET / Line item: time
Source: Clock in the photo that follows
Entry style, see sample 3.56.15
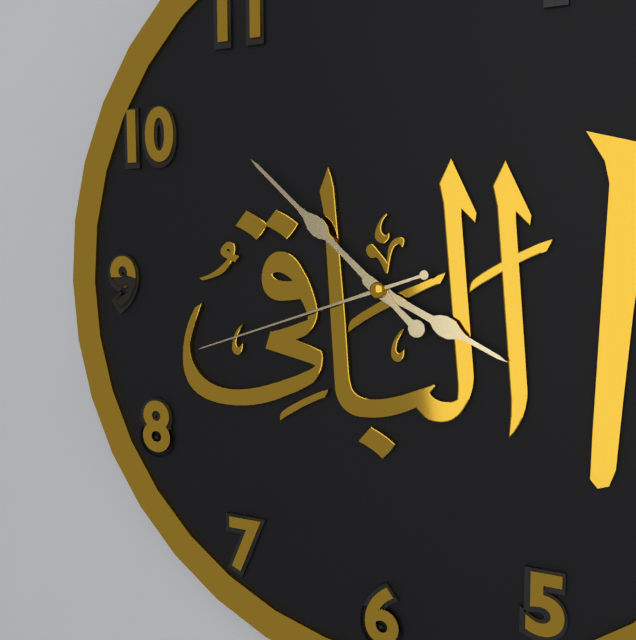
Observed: 3.52.42
